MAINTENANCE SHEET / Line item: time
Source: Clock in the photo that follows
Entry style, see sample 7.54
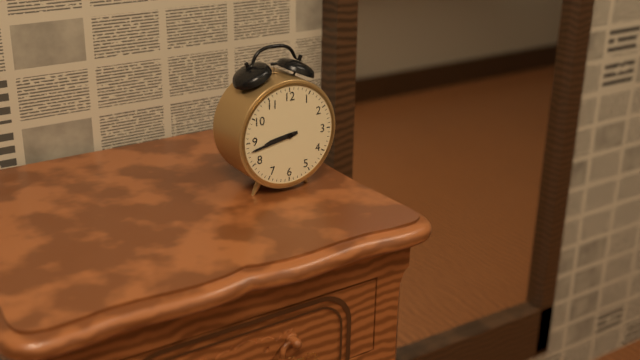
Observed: 8.43
